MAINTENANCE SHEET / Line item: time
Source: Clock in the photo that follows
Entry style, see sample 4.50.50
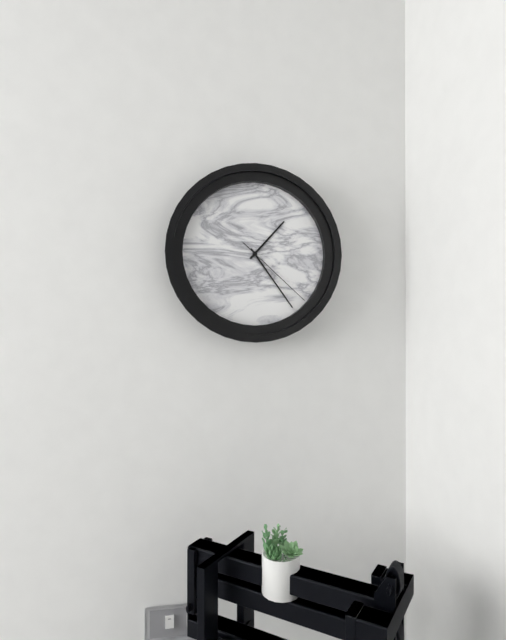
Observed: 1.24.22
